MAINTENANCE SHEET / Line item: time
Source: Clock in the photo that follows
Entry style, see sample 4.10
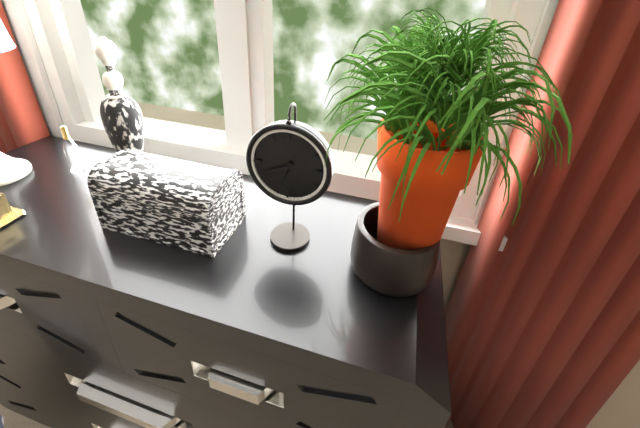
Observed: 6.41
